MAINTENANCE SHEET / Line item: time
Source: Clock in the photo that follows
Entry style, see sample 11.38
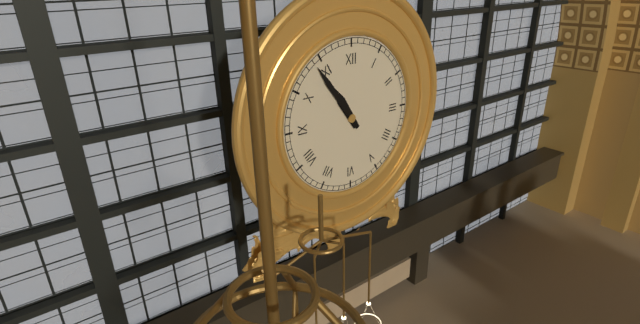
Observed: 10.54
